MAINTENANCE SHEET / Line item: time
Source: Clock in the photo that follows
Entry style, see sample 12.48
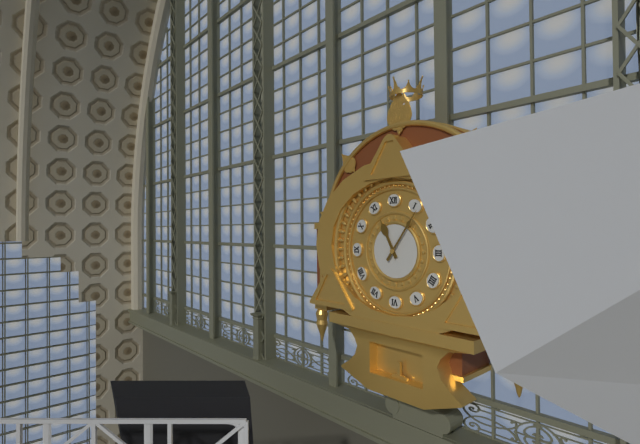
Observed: 11.06
